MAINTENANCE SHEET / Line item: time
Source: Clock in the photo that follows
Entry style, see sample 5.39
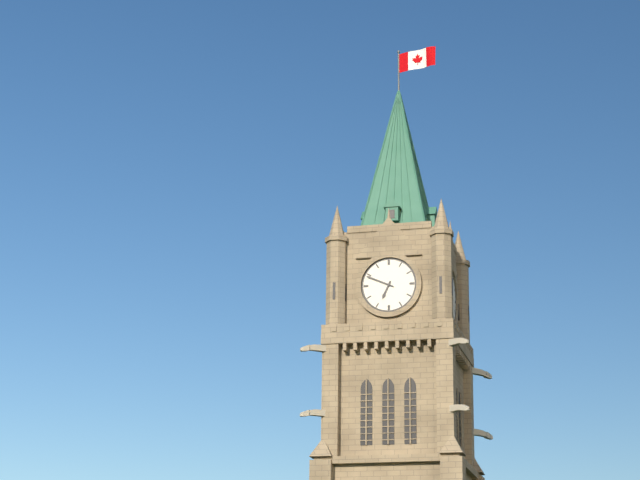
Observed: 6.49
